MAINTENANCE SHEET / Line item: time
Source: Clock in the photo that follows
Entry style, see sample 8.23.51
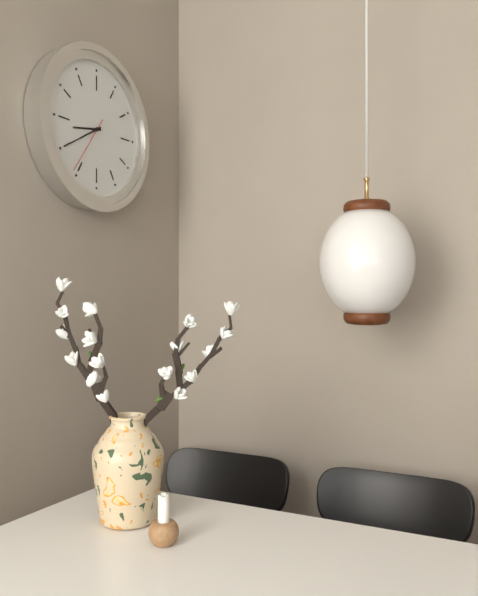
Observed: 8.40.36
